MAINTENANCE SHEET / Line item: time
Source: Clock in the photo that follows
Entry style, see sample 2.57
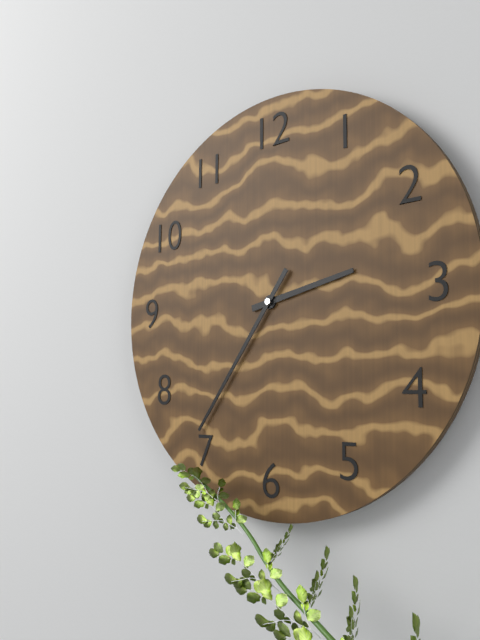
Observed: 2.36
